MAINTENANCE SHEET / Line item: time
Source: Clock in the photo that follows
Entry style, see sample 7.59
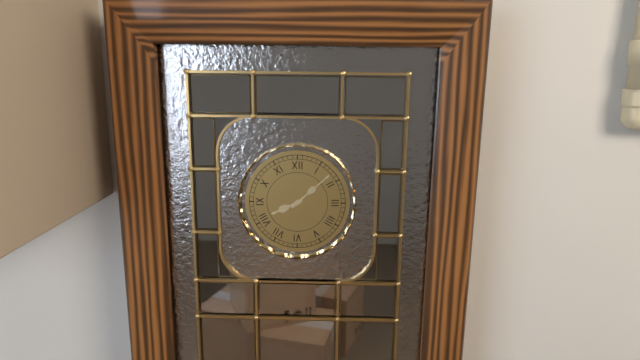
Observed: 8.08
